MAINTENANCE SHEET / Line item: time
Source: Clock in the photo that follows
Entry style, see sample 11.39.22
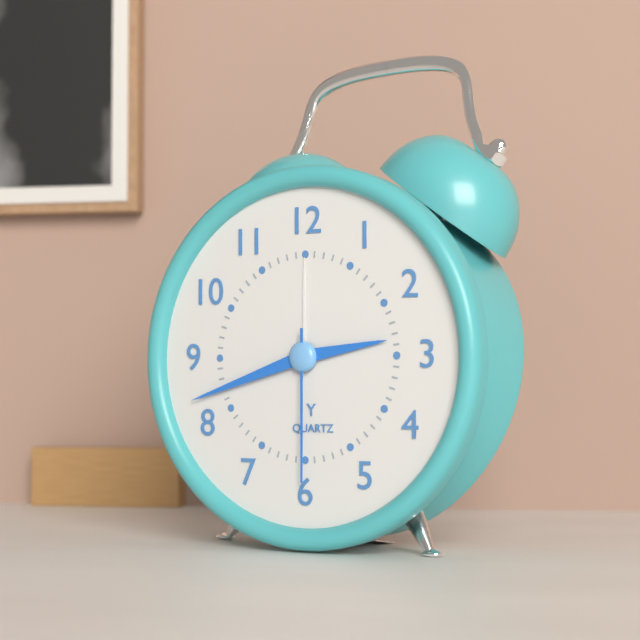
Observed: 2.42.30
